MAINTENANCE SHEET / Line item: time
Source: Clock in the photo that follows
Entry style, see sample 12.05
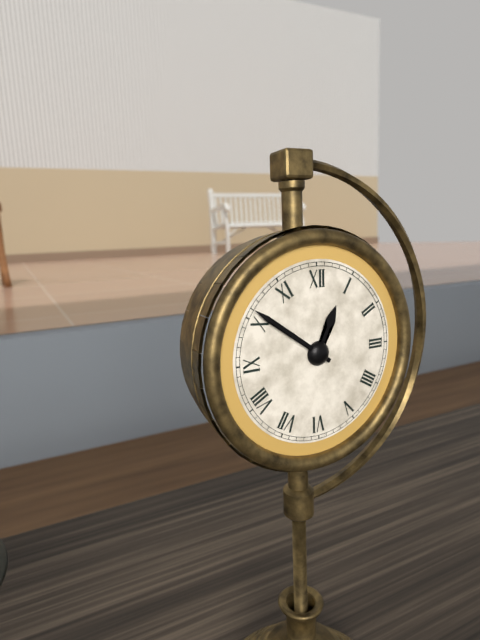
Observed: 12.51
